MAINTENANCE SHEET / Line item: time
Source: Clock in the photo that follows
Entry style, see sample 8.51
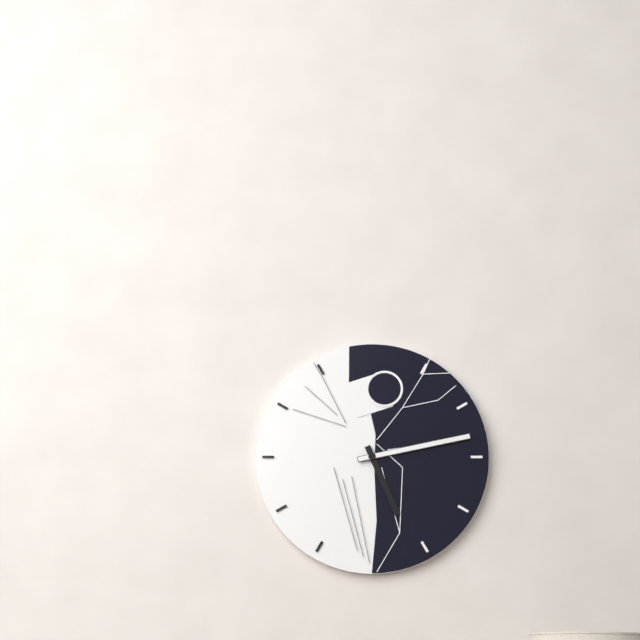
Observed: 5.13
